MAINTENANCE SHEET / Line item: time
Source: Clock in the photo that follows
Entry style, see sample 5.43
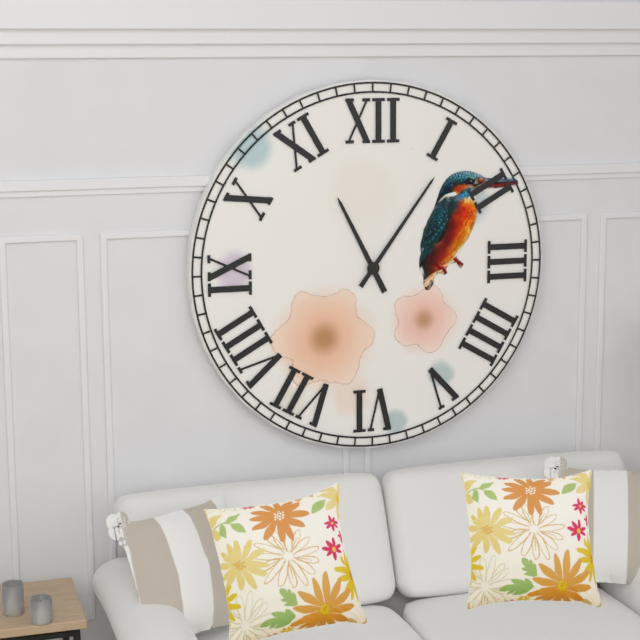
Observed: 11.06
